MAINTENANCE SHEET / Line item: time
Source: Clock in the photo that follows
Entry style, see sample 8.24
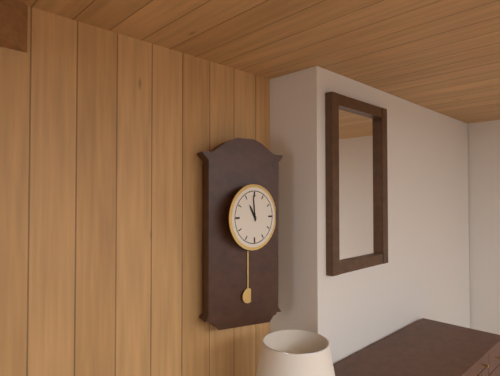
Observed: 10.59
